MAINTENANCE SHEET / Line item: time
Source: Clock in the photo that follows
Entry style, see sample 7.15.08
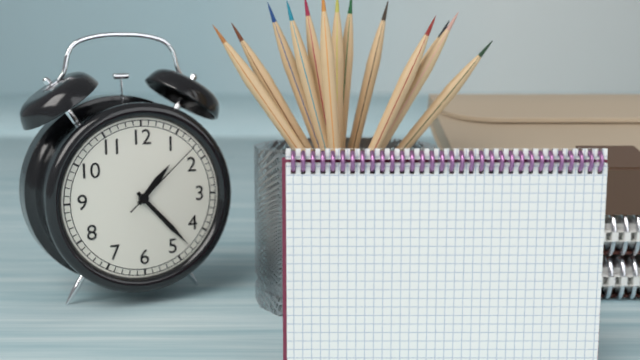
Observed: 1.23.08
